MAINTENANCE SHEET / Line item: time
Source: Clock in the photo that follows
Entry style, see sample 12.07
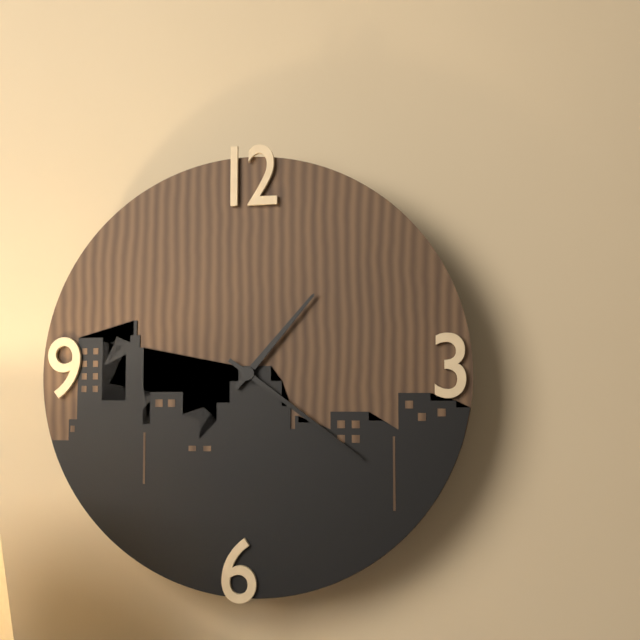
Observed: 1.21
